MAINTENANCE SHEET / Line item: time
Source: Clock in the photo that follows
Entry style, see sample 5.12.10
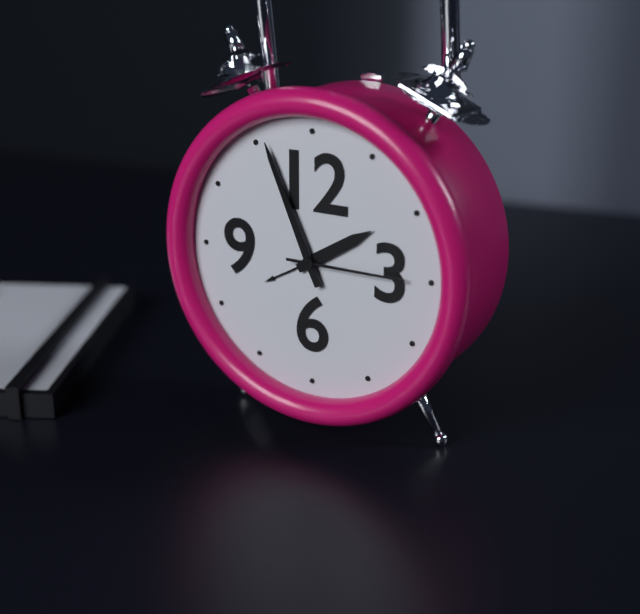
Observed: 1.56.15
